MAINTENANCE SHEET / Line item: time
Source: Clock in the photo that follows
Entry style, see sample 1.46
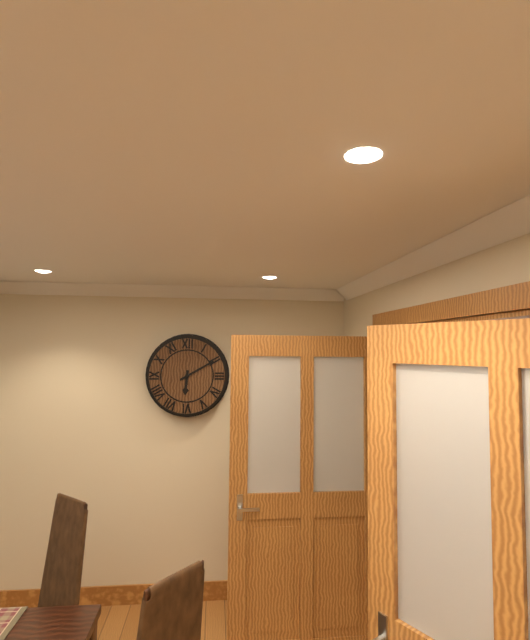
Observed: 6.10
